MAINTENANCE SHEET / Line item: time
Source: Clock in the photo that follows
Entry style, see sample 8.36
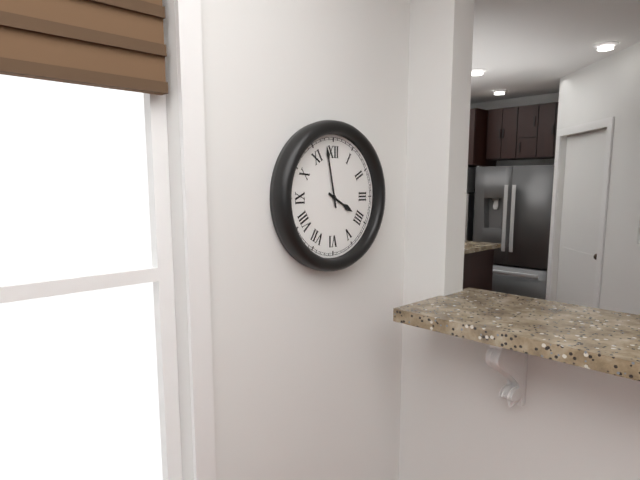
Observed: 3.58
